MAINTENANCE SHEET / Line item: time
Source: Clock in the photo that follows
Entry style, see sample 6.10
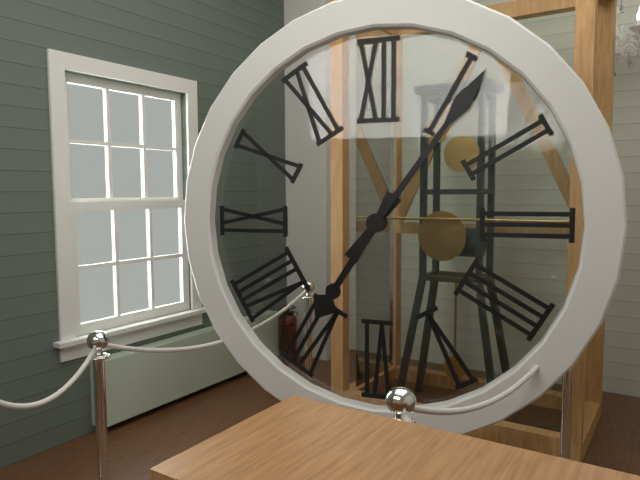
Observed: 7.06
